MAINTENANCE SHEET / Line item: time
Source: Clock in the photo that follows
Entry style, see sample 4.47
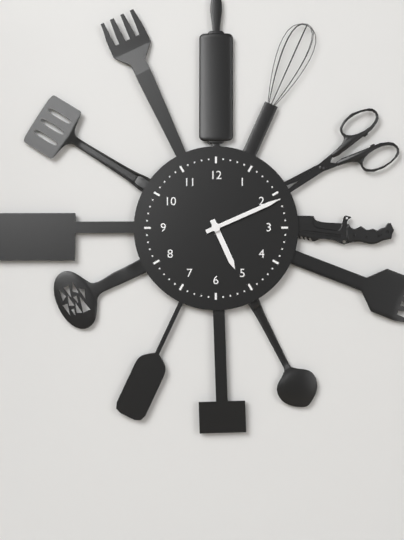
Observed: 5.11
